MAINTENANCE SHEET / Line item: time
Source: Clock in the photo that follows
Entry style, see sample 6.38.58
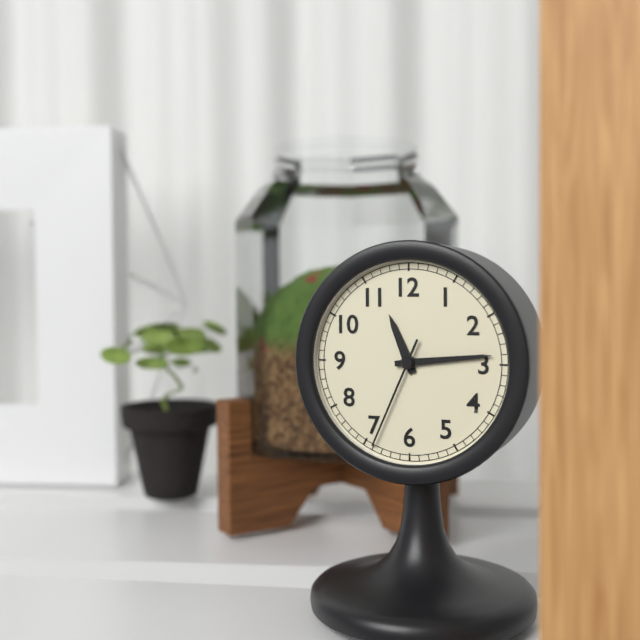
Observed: 11.14.34
